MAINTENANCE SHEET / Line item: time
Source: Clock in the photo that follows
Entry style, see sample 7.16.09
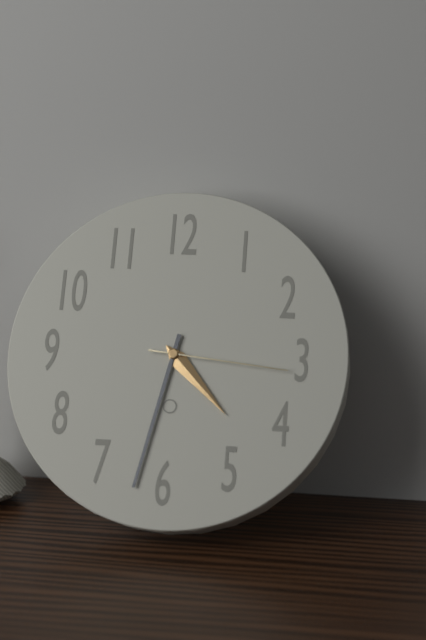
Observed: 4.32.16
